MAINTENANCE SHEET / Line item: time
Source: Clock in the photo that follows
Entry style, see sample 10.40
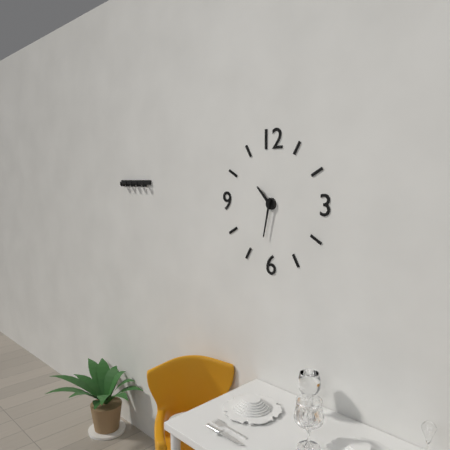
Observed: 10.32
